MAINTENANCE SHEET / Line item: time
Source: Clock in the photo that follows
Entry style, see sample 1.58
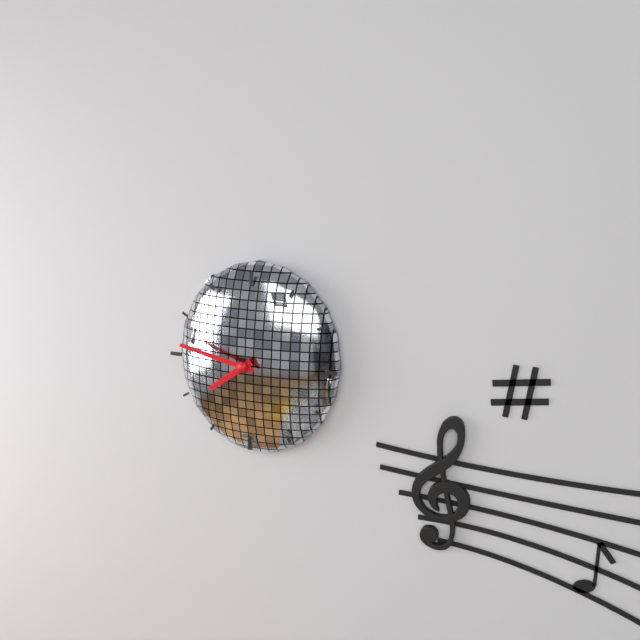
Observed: 7.47
